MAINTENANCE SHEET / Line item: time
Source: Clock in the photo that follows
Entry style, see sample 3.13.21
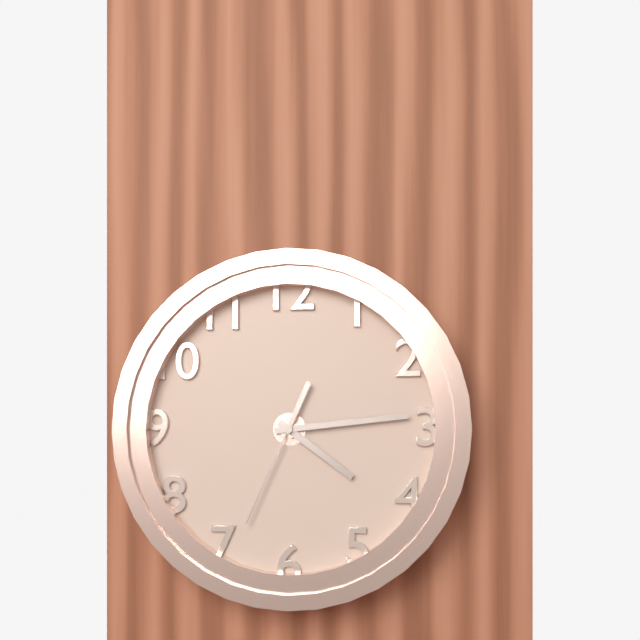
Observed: 4.14.34
